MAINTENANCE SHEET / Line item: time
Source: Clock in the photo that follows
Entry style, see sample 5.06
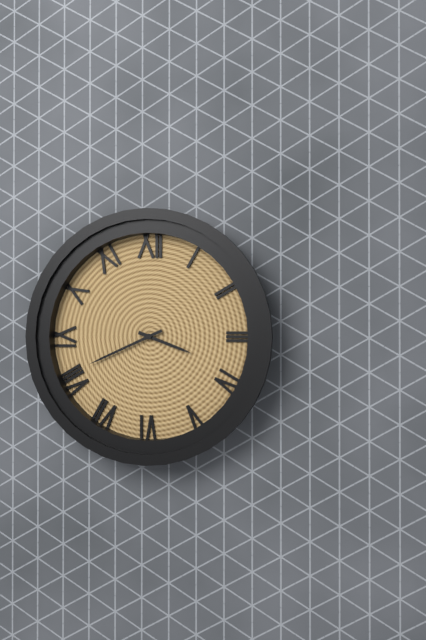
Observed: 3.41
